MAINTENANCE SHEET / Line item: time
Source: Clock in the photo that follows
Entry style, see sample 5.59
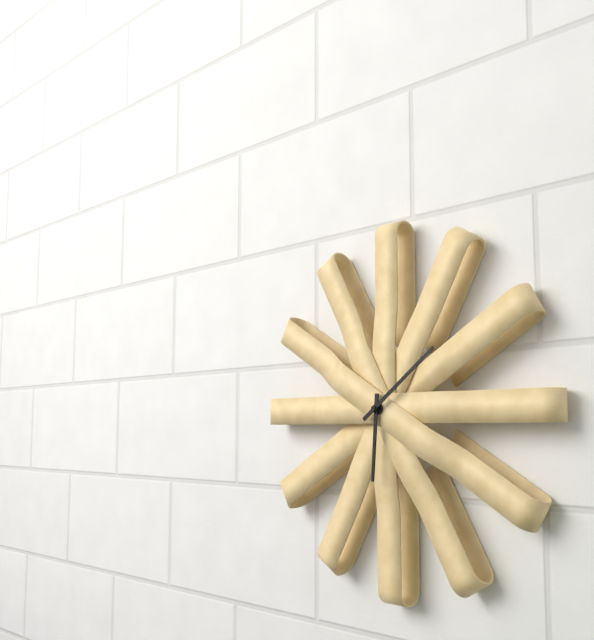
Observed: 6.09
